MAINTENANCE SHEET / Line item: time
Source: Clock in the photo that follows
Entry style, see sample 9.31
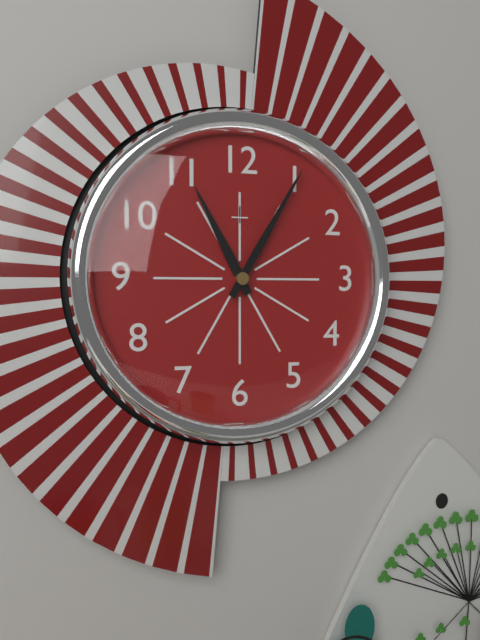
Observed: 11.05
